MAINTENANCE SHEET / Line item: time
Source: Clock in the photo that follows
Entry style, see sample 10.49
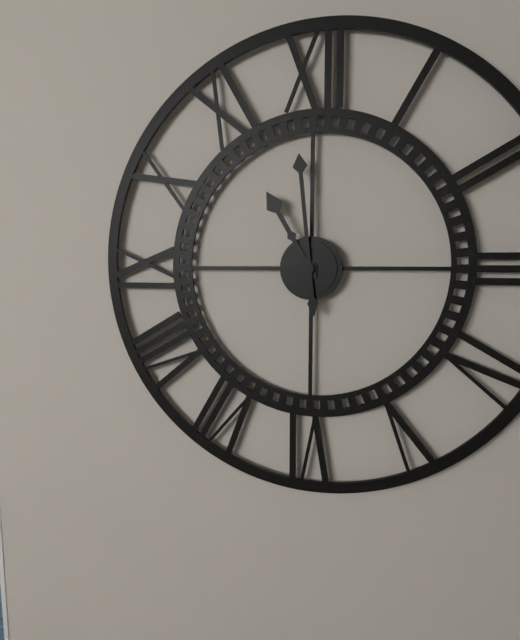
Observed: 10.59
